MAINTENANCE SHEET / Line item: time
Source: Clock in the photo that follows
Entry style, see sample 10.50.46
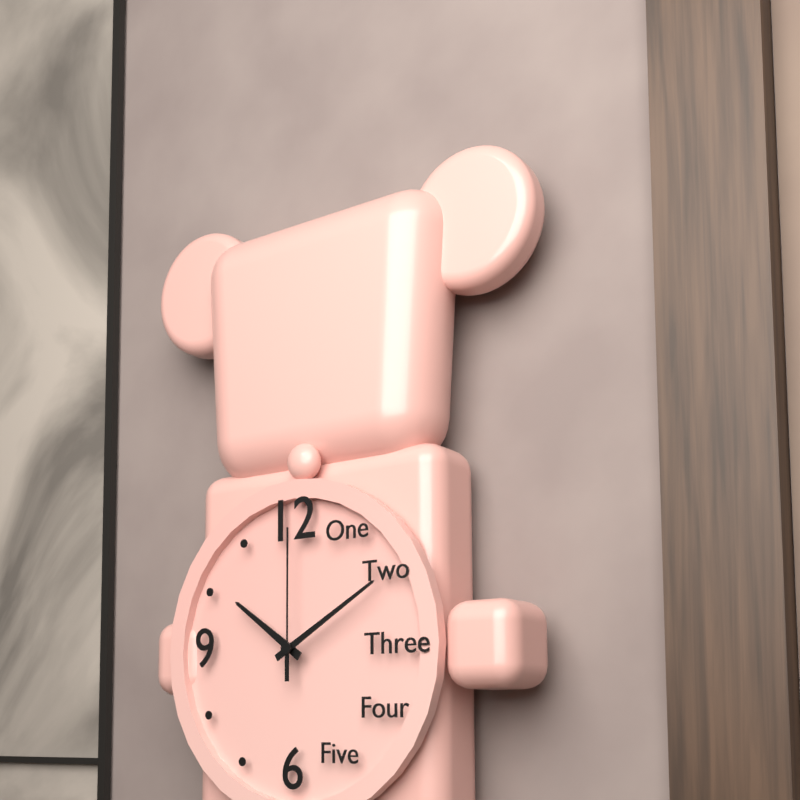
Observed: 10.10.00
